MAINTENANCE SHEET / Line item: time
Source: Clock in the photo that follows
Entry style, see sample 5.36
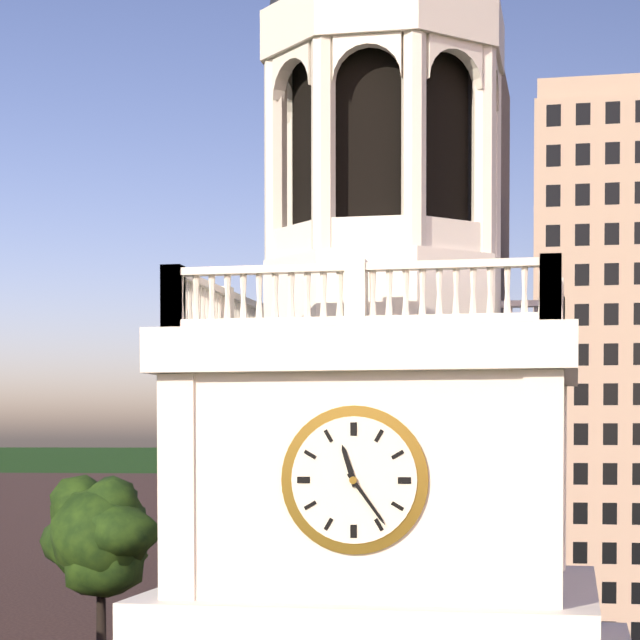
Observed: 11.24
